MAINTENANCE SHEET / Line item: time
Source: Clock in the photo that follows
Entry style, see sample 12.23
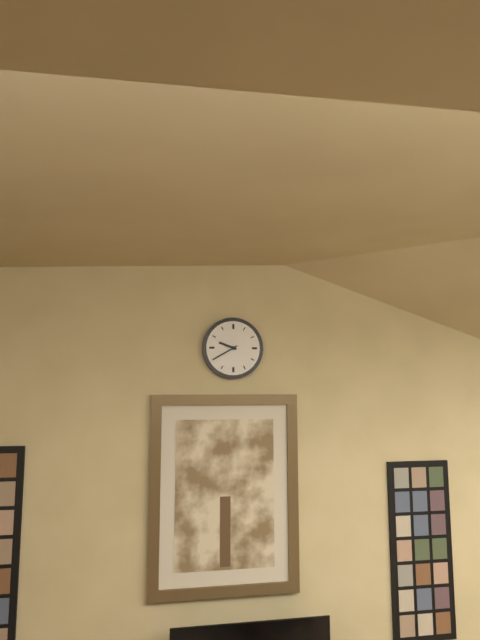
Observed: 9.40
